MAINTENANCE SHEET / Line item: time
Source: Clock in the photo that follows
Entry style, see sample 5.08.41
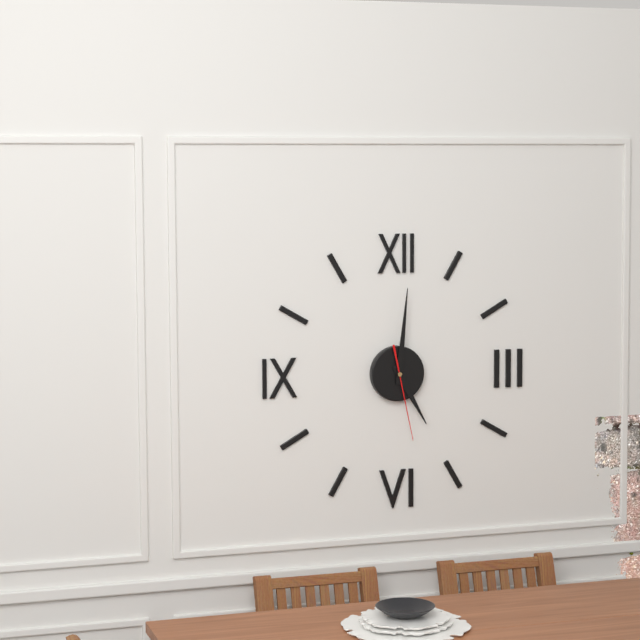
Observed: 5.01.28
